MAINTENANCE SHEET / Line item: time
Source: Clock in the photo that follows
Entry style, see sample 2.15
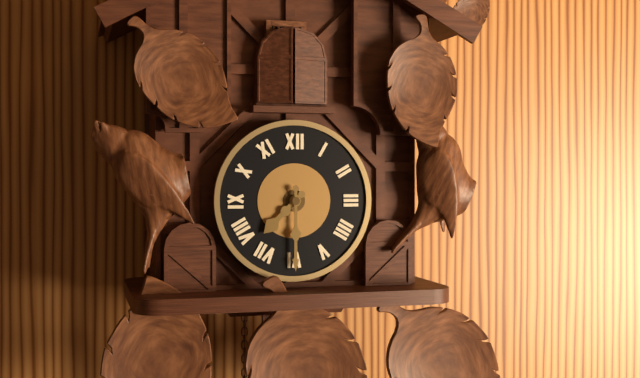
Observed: 7.30
